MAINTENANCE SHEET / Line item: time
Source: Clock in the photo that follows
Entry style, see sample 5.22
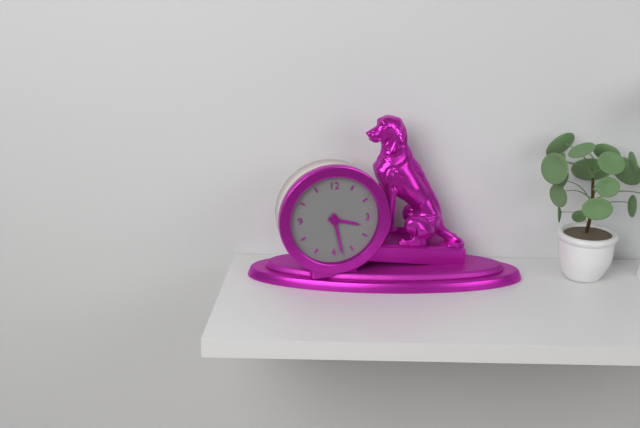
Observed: 3.28
